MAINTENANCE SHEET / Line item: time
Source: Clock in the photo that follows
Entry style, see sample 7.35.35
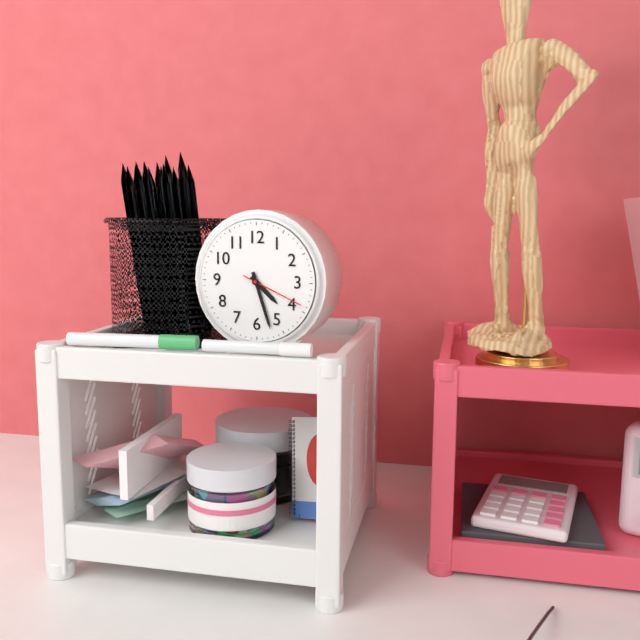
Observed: 4.27.19
